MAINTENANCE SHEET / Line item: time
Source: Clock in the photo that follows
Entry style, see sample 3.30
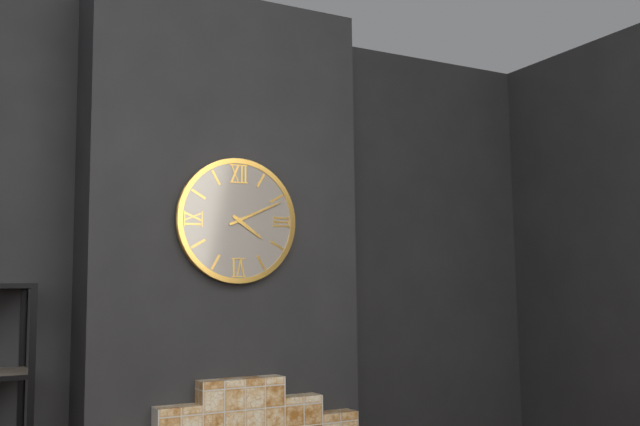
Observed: 4.11
